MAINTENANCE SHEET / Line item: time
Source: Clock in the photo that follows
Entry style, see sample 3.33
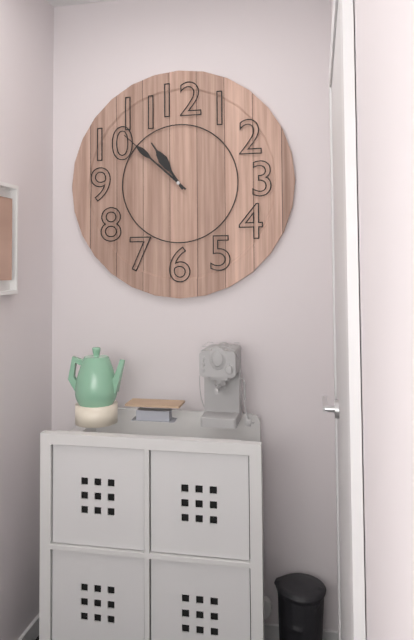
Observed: 10.52
